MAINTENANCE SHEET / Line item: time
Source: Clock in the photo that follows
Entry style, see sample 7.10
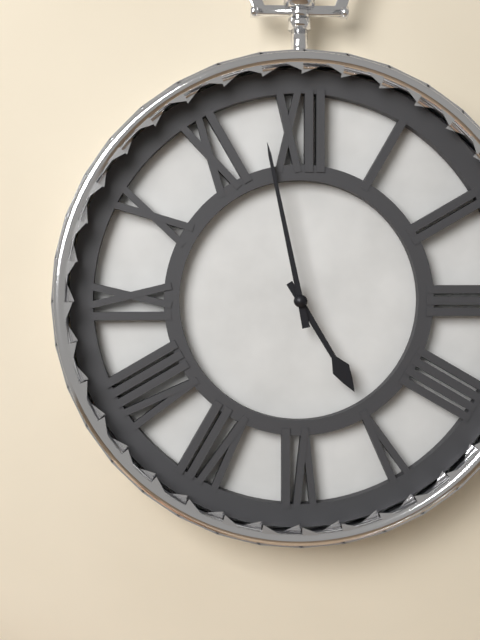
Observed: 4.58
